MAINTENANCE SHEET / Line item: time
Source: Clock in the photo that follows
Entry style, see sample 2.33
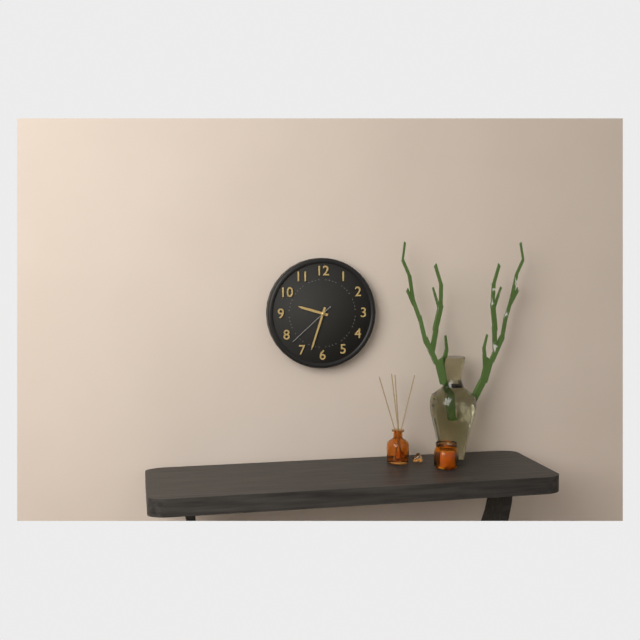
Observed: 9.33
